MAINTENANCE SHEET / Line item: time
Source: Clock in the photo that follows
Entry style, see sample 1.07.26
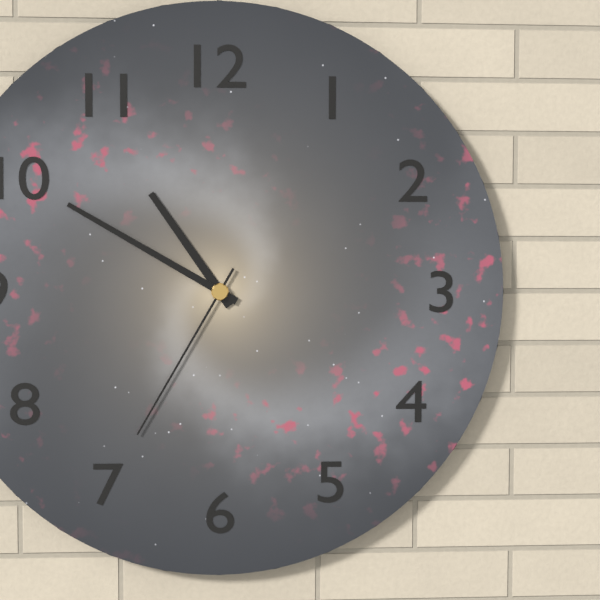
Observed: 10.50.35
